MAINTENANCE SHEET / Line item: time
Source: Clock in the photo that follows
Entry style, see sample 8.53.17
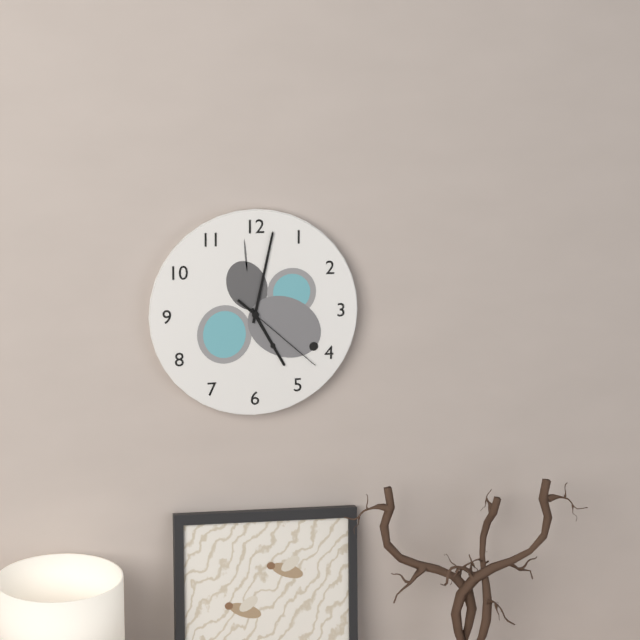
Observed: 5.02.22
